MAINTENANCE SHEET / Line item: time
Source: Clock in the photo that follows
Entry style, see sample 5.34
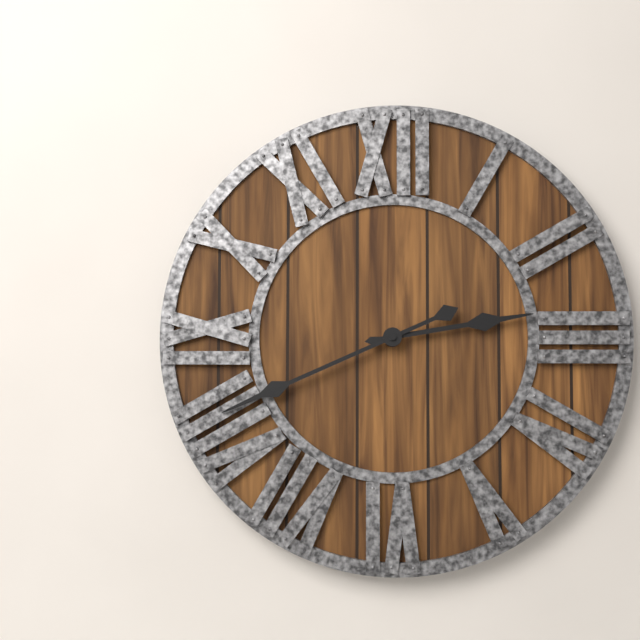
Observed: 2.41
